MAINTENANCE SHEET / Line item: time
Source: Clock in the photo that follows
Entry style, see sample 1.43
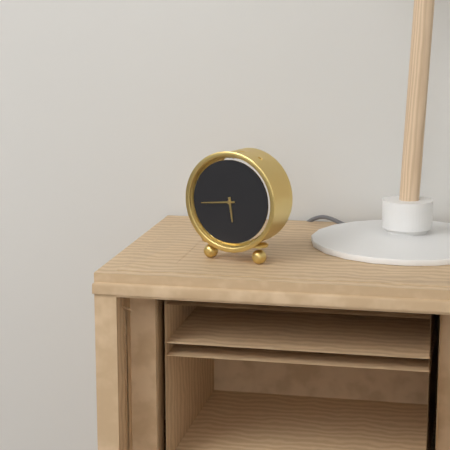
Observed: 5.44
